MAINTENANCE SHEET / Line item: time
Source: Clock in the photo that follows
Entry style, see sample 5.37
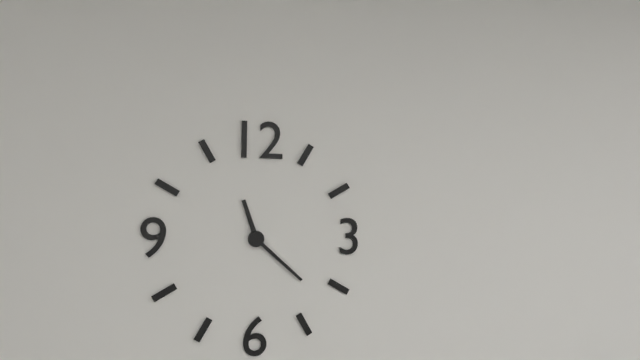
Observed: 11.22
